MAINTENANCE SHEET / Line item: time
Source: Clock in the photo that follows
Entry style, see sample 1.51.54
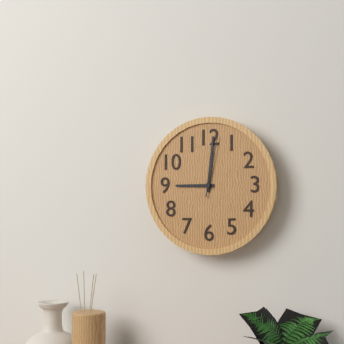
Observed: 9.01.02
